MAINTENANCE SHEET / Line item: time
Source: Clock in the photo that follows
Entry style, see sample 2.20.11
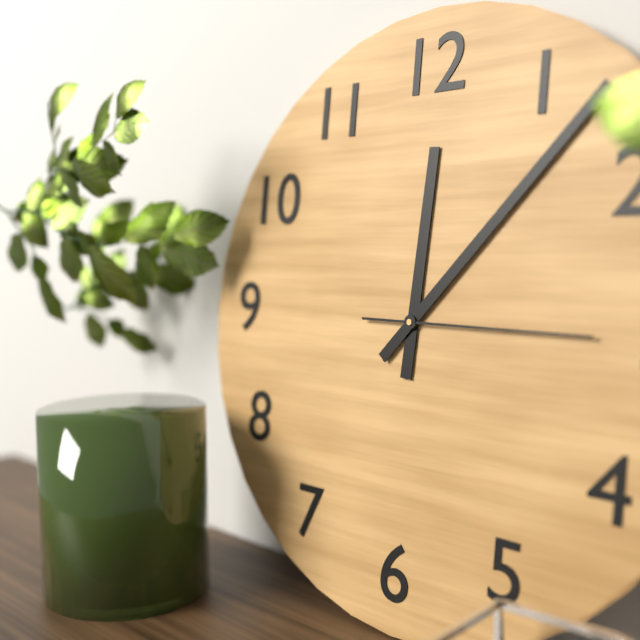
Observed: 12.07.15
